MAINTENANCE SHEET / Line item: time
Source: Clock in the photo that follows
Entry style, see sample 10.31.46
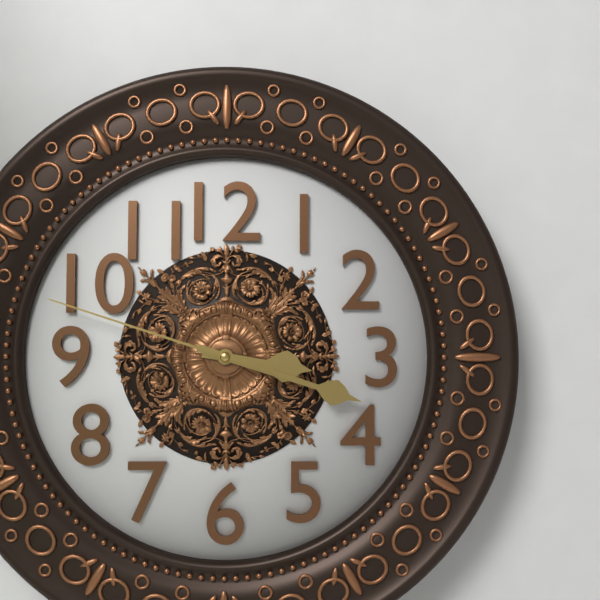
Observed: 3.18.48
